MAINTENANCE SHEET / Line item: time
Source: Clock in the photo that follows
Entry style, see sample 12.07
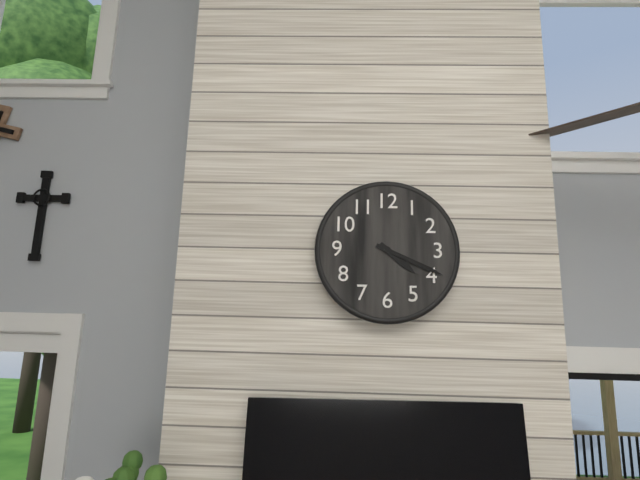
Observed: 4.19
